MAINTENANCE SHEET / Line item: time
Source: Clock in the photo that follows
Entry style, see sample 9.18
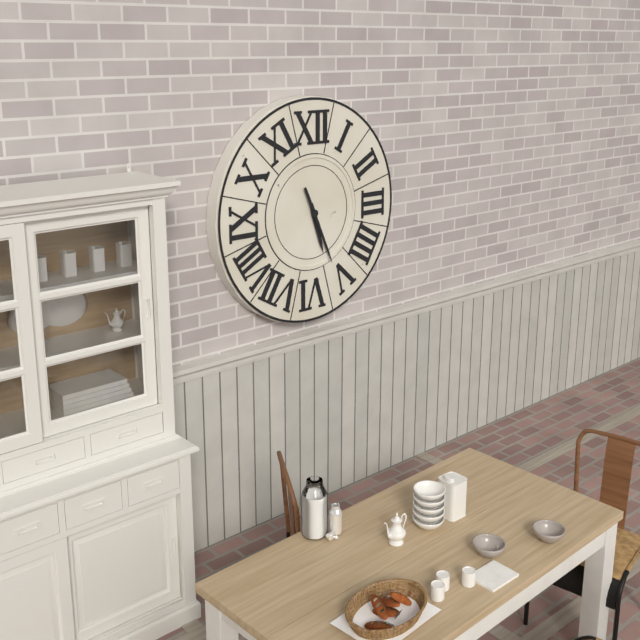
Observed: 5.26
